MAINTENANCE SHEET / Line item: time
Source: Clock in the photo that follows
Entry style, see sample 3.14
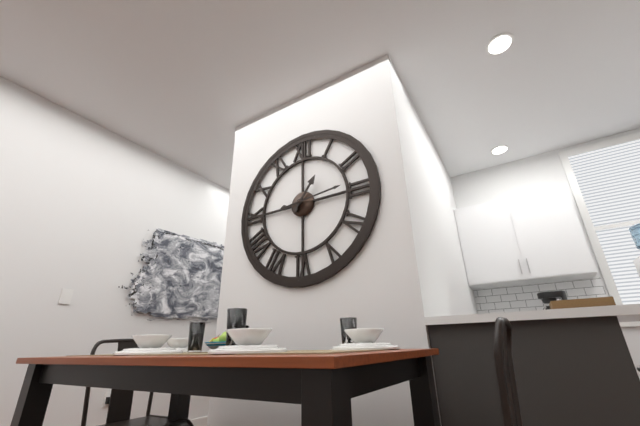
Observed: 1.14
